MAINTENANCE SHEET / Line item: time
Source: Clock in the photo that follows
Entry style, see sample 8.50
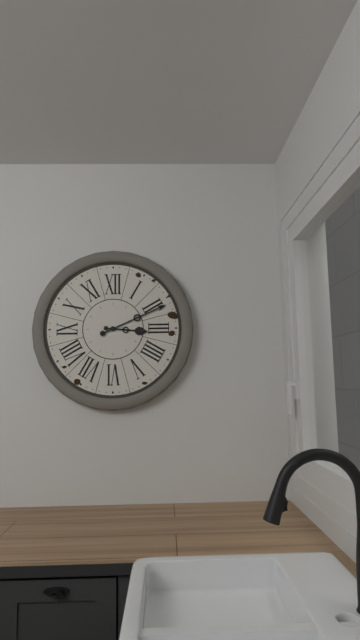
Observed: 3.11
